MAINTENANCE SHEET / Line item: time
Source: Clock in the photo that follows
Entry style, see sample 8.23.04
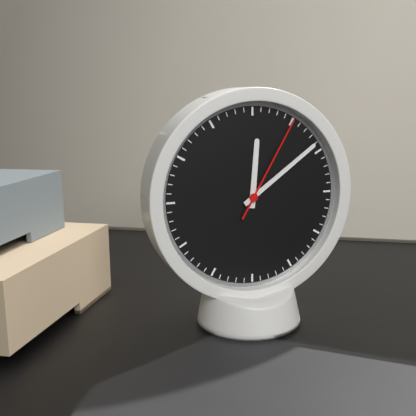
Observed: 12.09.05
